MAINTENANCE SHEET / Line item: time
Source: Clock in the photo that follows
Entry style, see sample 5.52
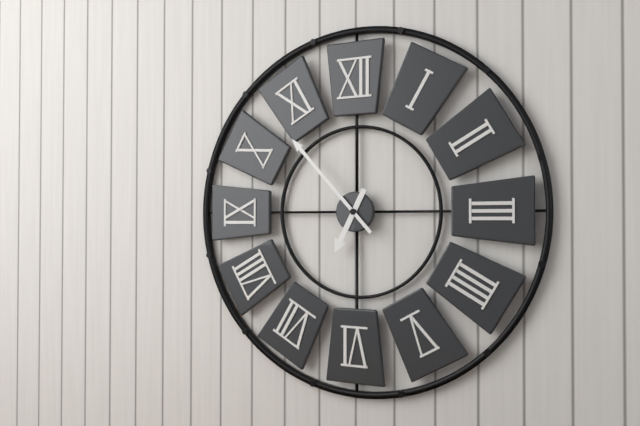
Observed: 6.53
